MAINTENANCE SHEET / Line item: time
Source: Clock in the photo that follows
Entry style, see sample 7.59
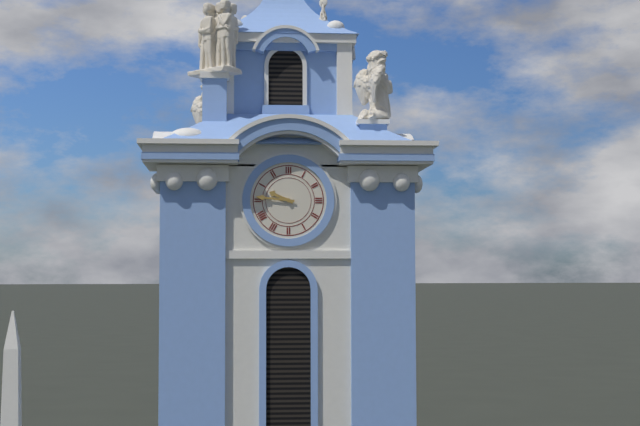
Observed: 9.46
